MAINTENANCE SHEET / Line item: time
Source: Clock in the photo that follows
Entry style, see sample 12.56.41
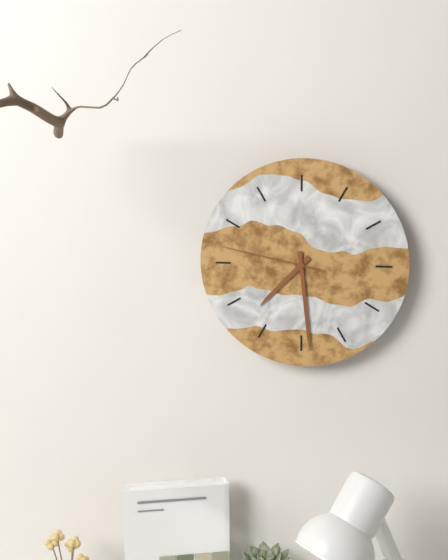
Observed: 7.29.47
